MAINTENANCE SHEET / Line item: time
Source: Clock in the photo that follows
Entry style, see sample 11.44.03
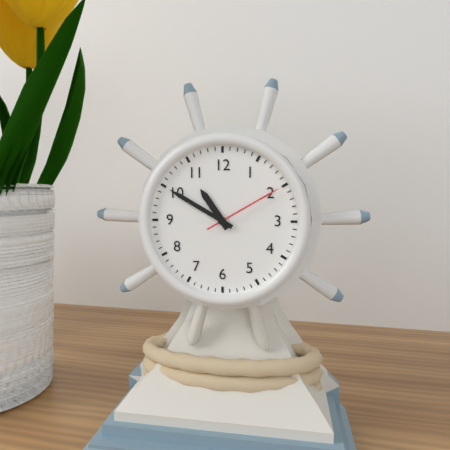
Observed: 10.50.10
